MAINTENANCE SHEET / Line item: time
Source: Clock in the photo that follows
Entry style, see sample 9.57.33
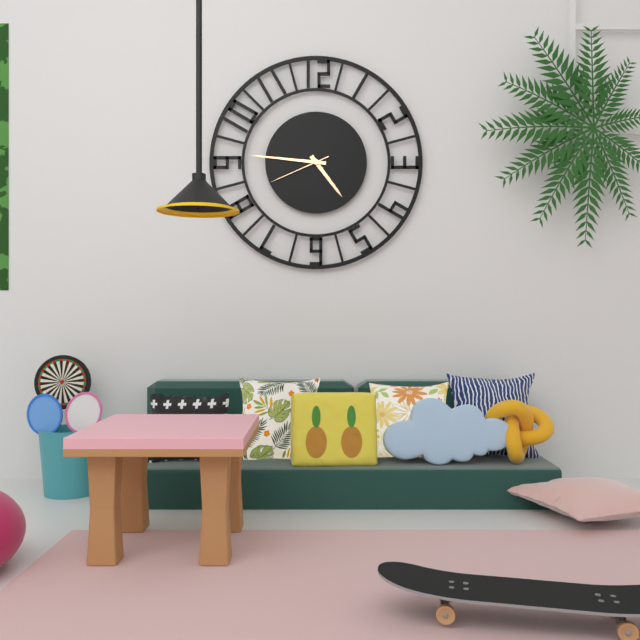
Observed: 4.46.41
